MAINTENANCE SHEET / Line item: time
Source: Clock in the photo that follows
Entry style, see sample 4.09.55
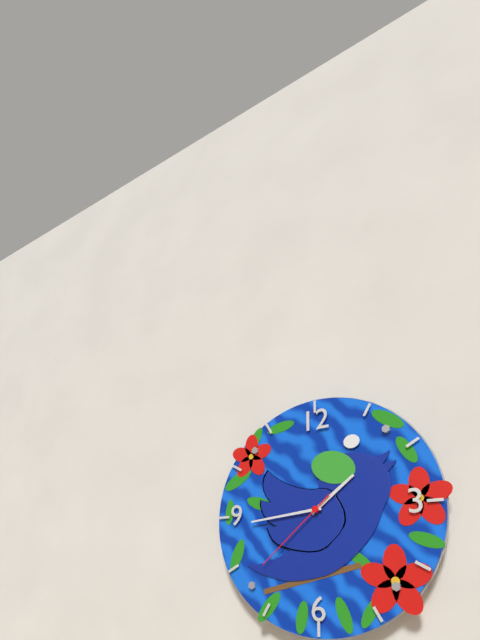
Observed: 1.44.38
